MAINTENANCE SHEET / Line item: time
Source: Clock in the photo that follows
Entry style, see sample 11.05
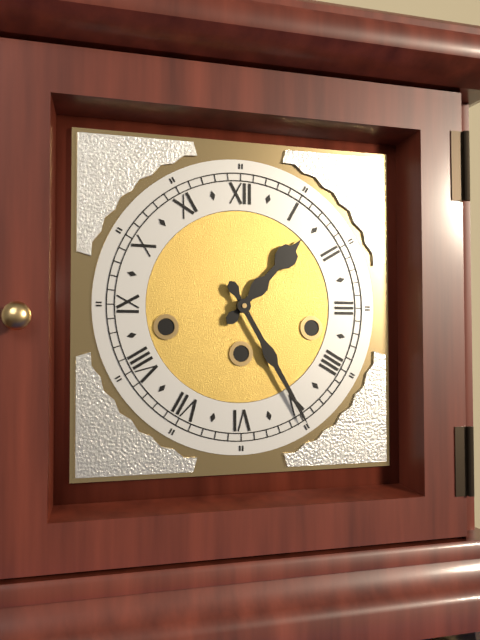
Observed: 1.25
